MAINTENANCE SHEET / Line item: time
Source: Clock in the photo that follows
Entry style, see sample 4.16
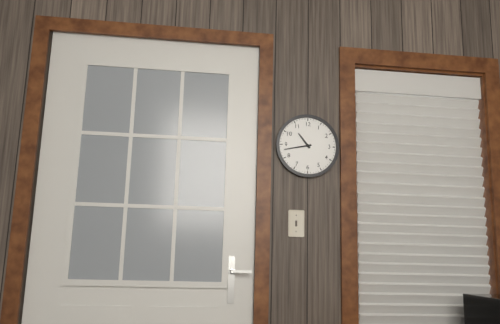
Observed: 10.43
